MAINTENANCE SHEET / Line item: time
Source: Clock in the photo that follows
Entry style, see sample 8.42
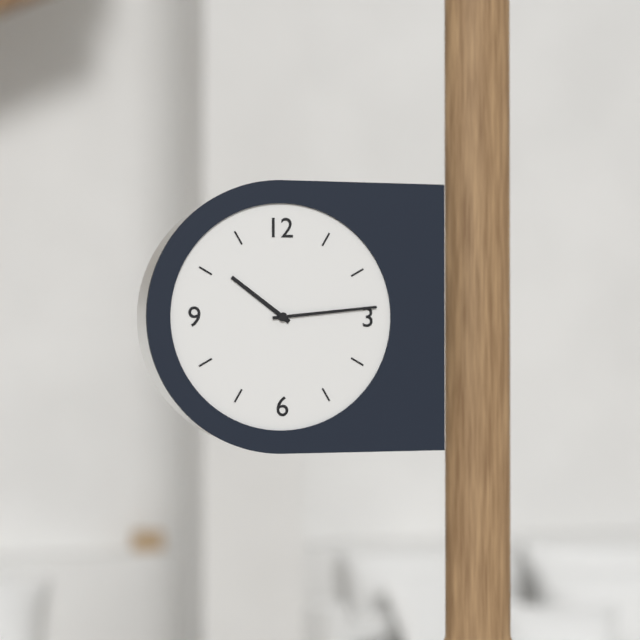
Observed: 10.14
